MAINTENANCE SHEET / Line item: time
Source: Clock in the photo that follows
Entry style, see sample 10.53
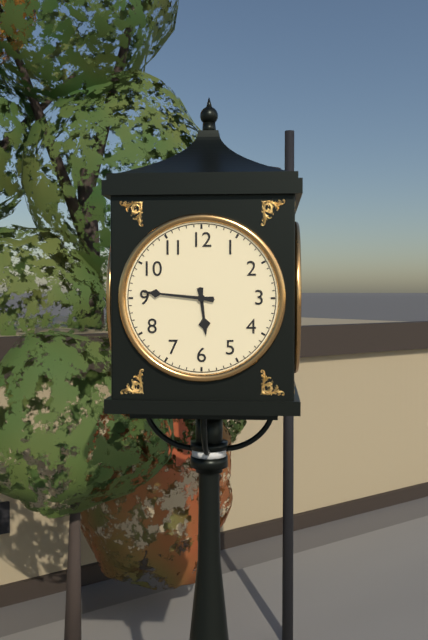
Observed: 5.46
